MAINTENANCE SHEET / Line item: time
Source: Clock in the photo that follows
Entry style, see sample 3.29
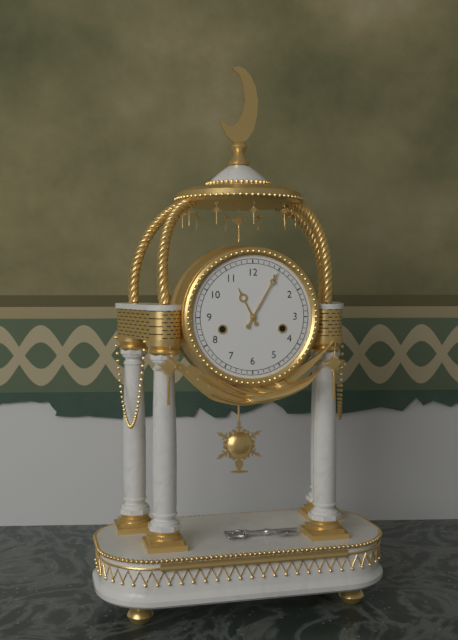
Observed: 11.05
